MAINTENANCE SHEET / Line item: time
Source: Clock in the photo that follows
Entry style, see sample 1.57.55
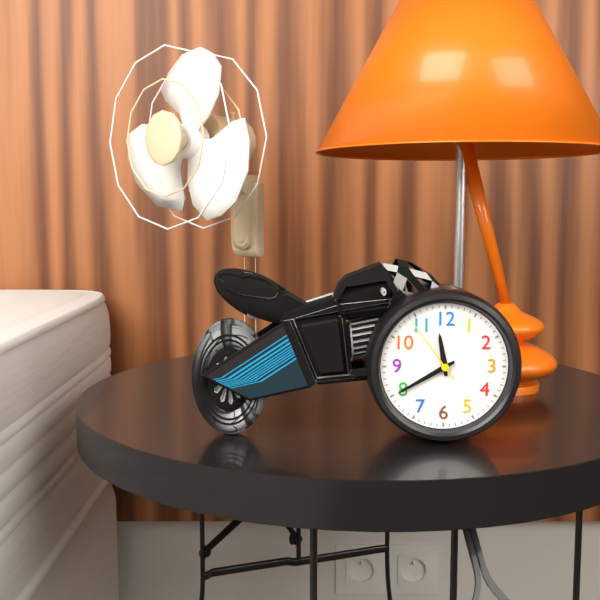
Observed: 11.40.54
